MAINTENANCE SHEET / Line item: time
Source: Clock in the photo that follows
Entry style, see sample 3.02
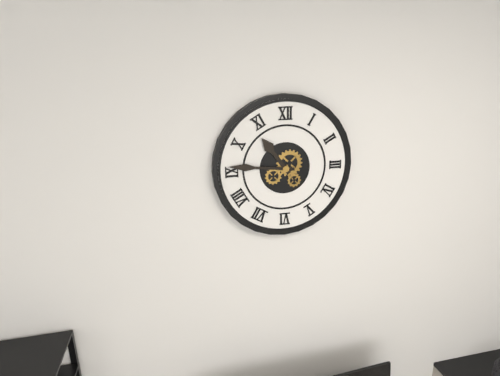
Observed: 10.46
